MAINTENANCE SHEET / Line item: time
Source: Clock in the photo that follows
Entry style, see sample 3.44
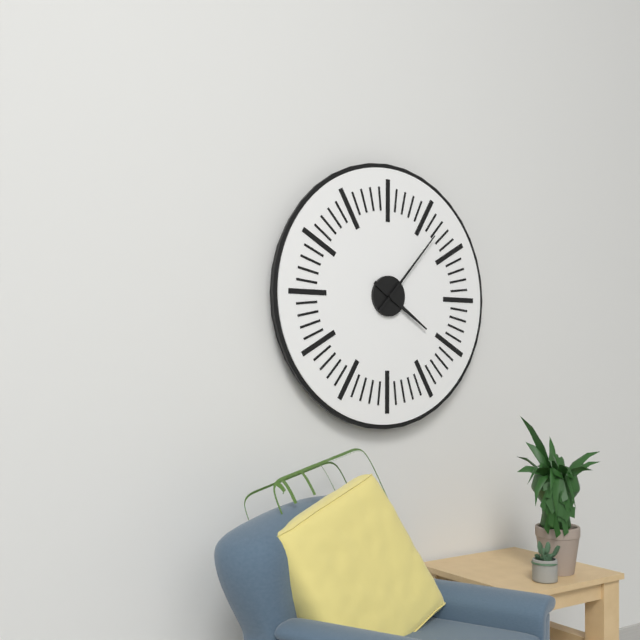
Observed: 4.07
